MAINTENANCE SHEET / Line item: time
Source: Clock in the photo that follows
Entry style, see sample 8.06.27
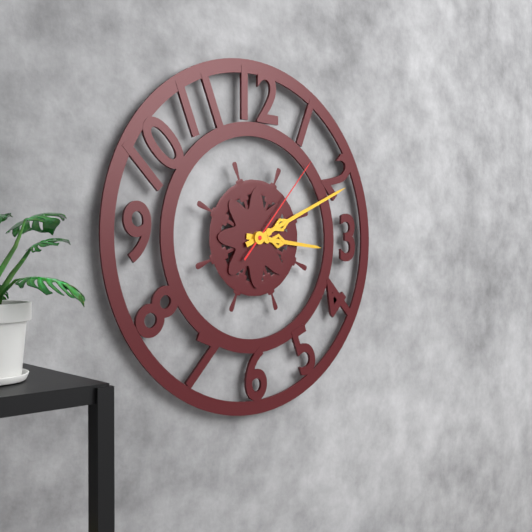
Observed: 3.11.07
